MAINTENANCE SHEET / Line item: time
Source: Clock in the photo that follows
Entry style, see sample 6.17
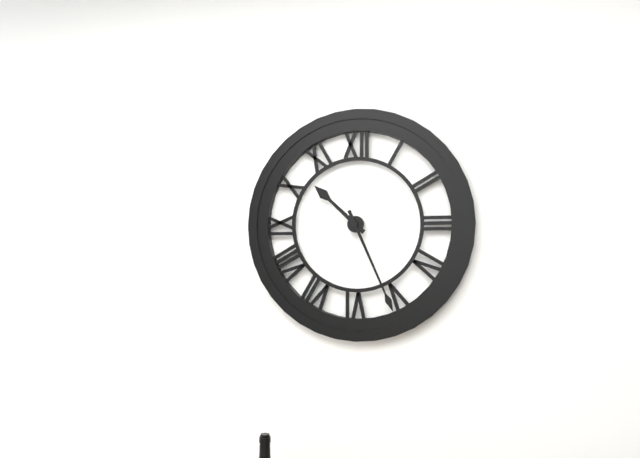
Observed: 10.26
